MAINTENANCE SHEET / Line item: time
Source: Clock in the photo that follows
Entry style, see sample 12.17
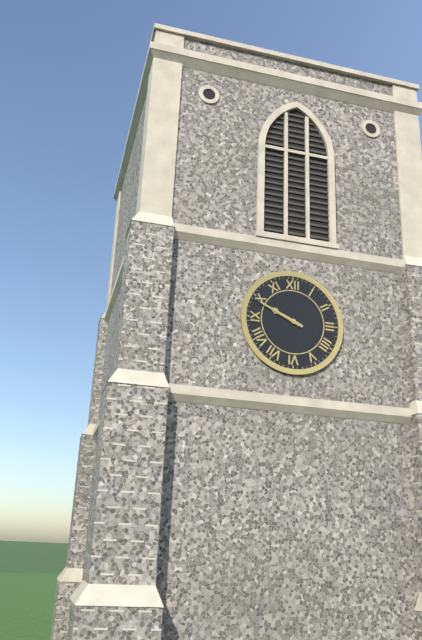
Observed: 9.49
